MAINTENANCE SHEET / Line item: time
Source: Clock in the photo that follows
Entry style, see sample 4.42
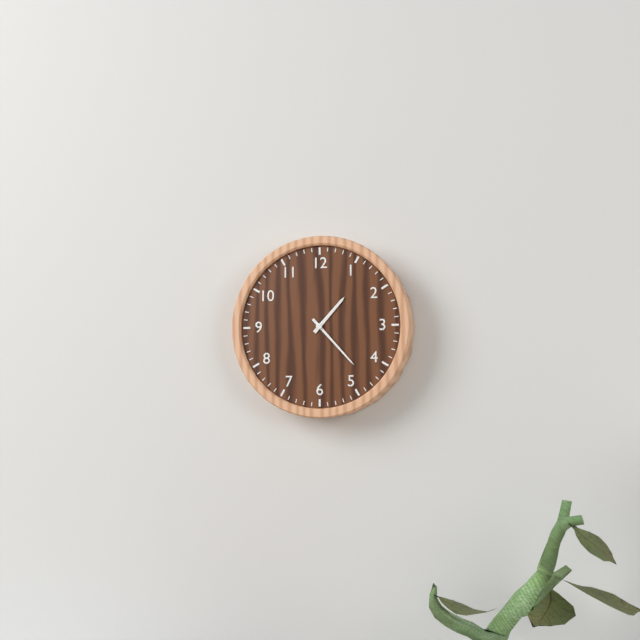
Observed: 1.23
